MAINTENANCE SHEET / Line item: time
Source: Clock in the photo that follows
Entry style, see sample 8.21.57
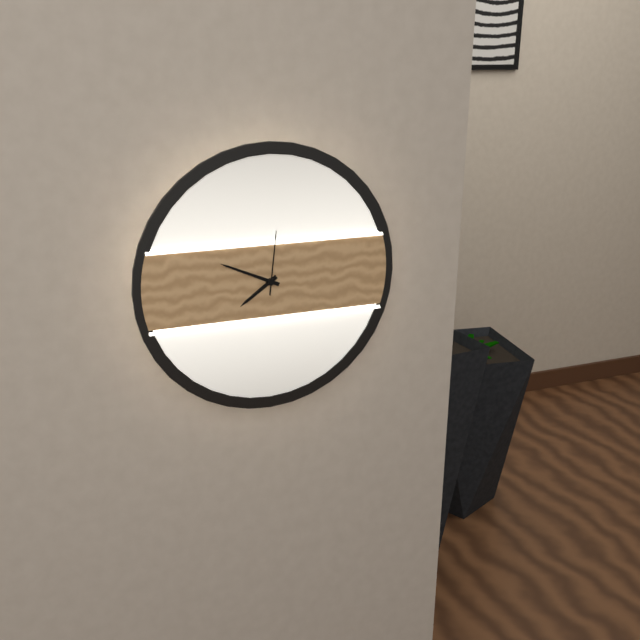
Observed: 7.49.01
